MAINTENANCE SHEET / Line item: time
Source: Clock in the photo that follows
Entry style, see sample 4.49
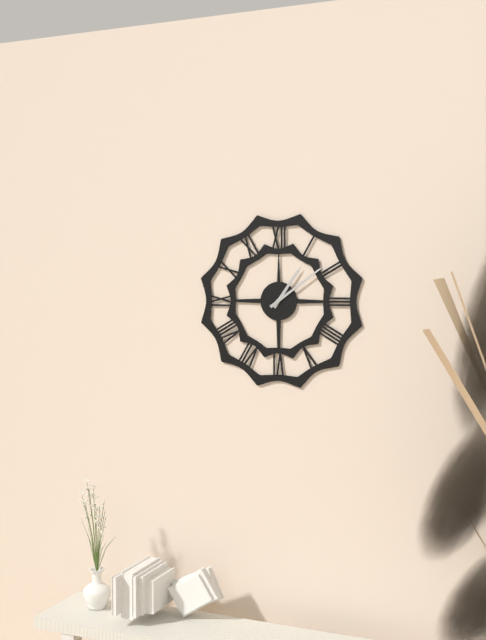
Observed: 1.09
